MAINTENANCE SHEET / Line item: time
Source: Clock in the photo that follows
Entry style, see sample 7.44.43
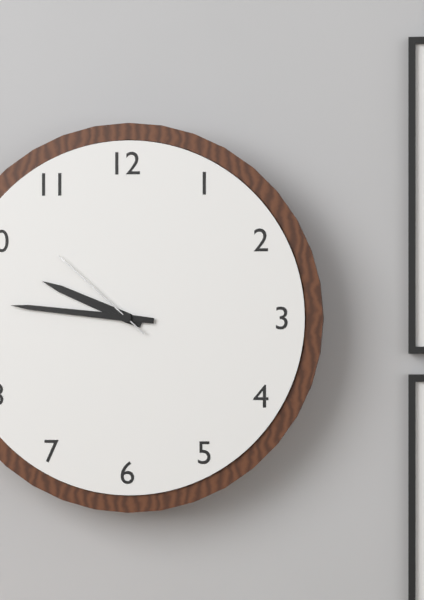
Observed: 9.46.52
